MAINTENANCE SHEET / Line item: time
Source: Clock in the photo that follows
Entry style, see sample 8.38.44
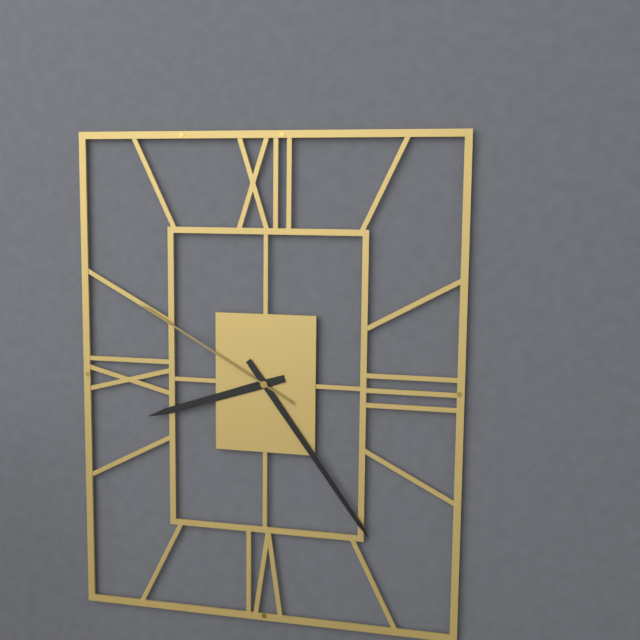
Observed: 8.24.50
